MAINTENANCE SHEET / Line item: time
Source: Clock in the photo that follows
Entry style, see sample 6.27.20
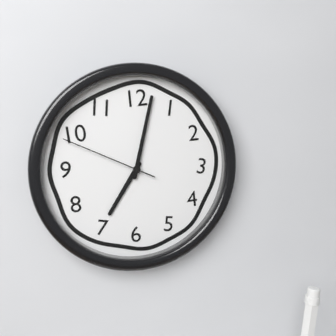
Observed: 7.02.49
